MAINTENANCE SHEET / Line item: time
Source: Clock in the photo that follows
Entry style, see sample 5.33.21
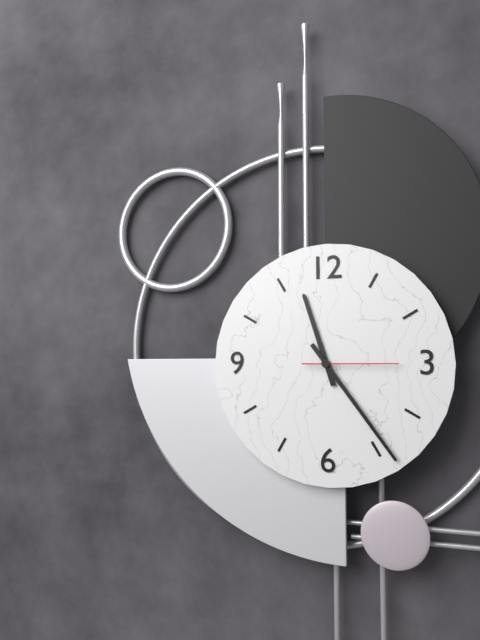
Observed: 11.24.15
